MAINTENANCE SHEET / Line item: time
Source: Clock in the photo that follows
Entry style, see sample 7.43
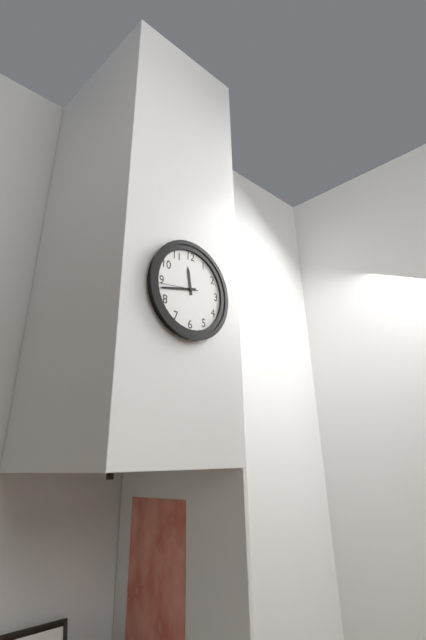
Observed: 11.43
